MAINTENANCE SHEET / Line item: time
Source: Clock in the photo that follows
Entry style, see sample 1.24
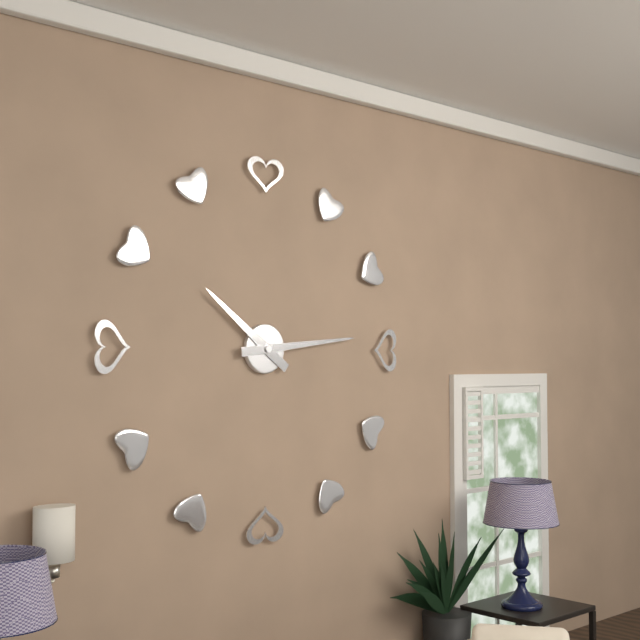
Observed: 10.14
